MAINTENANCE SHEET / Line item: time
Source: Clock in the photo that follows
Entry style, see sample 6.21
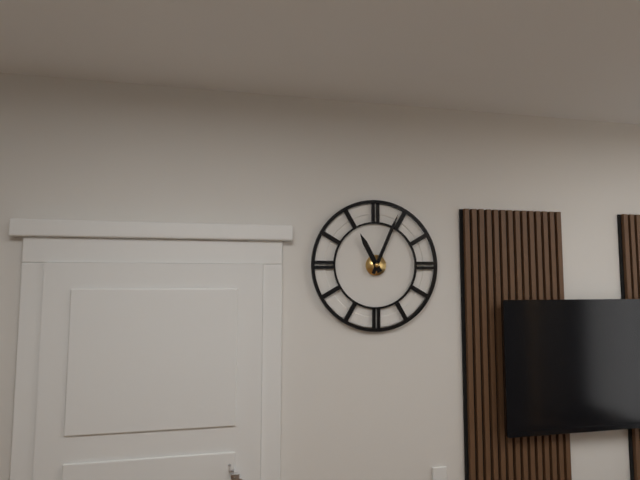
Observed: 11.04
